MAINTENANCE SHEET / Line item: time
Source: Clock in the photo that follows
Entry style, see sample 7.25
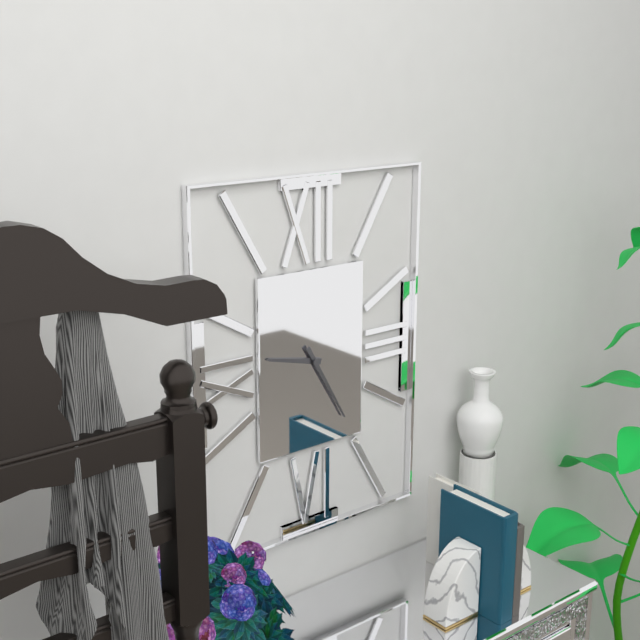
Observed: 9.25
